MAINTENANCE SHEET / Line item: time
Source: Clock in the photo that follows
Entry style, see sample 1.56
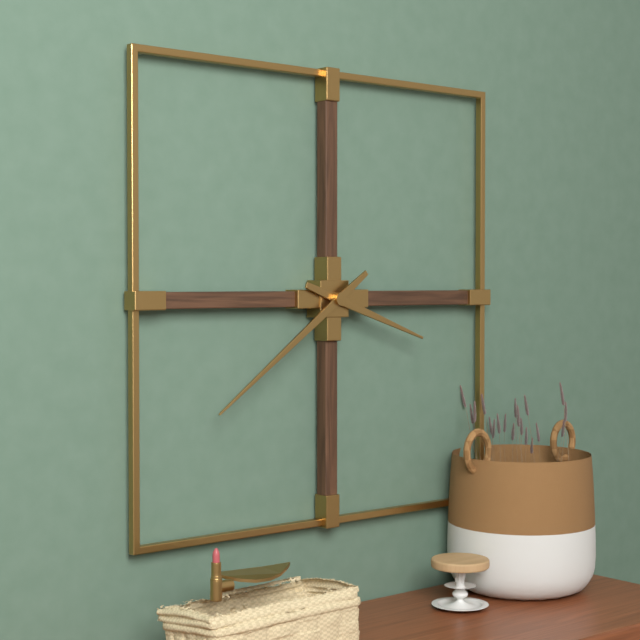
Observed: 3.39
